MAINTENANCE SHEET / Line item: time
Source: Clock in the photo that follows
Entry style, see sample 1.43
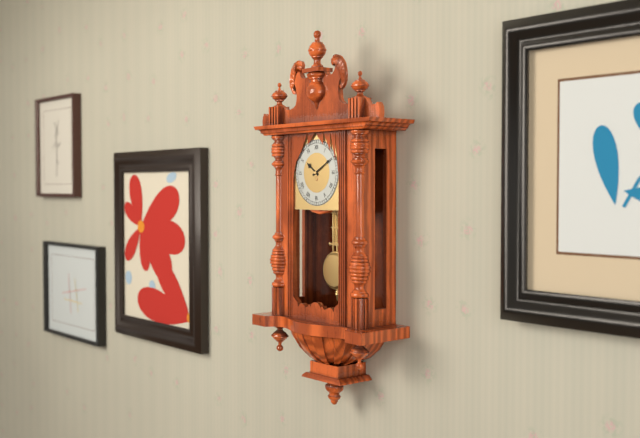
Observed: 10.10
